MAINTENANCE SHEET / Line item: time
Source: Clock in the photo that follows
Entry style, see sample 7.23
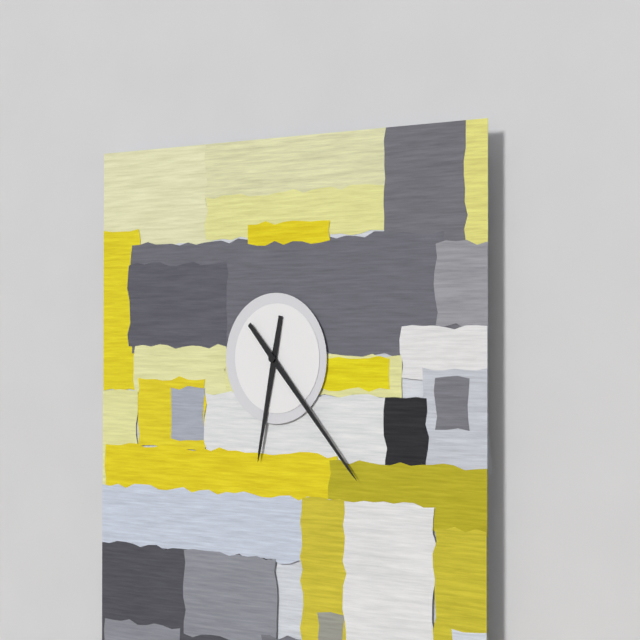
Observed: 6.23
